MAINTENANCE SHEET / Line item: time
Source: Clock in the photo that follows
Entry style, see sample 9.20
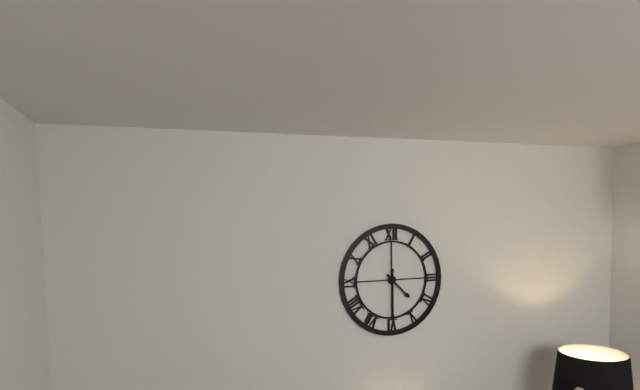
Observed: 4.30
